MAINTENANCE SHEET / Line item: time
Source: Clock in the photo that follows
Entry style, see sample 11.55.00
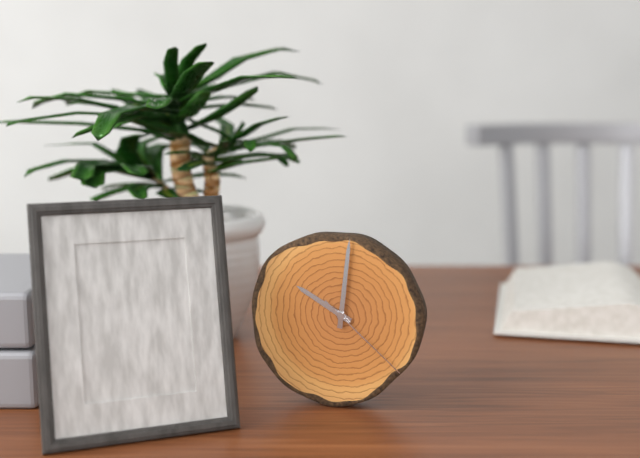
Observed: 10.01.22
